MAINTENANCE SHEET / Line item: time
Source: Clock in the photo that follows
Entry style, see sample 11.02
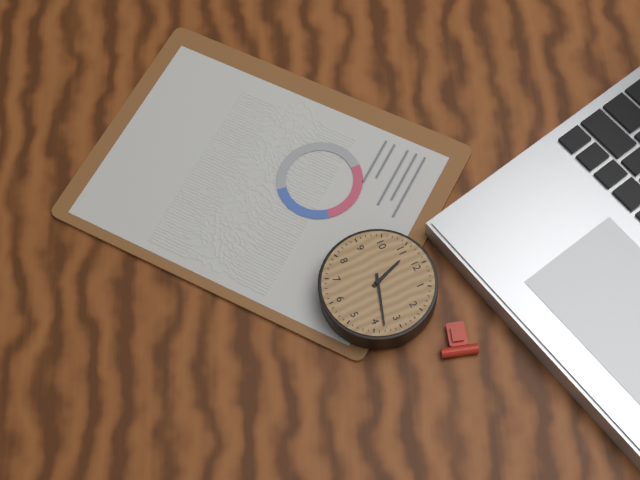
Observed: 11.18
